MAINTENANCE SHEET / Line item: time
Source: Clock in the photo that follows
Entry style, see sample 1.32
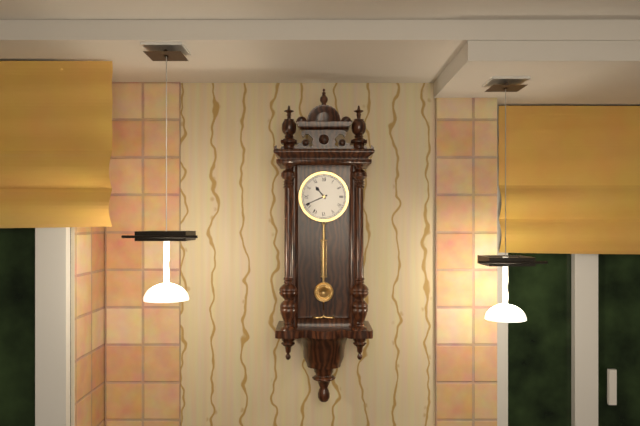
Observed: 10.41
